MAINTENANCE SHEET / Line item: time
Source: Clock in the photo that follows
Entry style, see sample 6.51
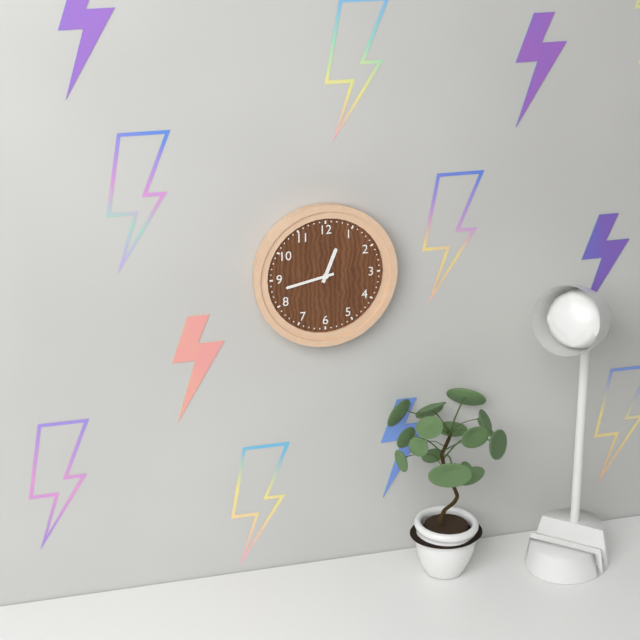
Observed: 12.43
